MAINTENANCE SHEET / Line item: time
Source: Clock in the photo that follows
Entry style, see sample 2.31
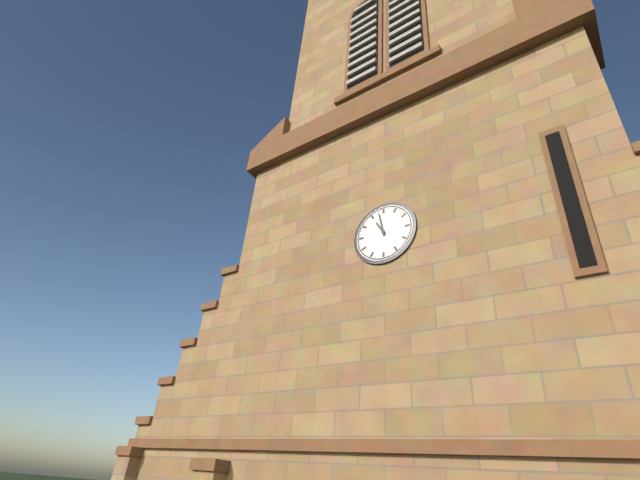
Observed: 10.58
